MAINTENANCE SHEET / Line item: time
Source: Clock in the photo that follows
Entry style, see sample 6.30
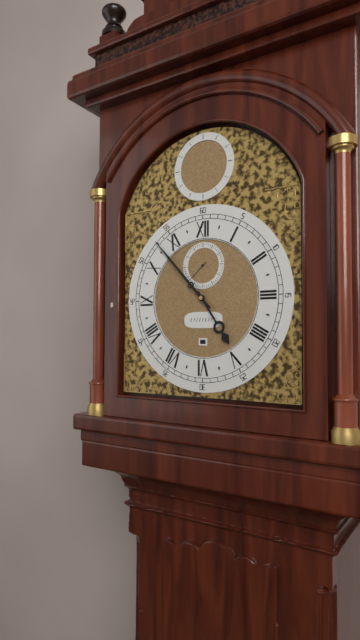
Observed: 4.53
